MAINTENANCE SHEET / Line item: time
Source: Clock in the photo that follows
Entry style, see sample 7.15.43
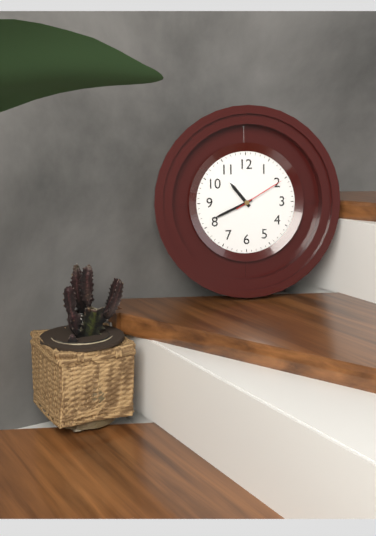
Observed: 10.41.10
